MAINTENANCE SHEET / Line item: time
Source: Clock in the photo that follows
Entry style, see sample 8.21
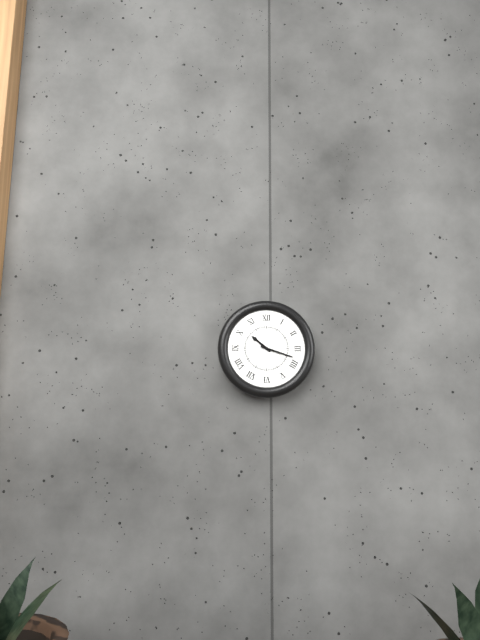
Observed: 10.18
